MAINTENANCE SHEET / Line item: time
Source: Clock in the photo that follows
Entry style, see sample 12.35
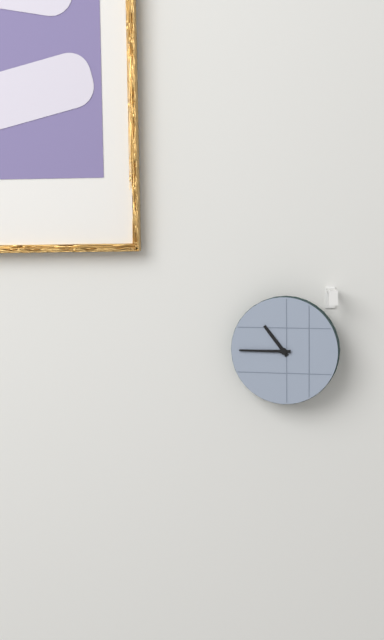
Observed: 10.45
